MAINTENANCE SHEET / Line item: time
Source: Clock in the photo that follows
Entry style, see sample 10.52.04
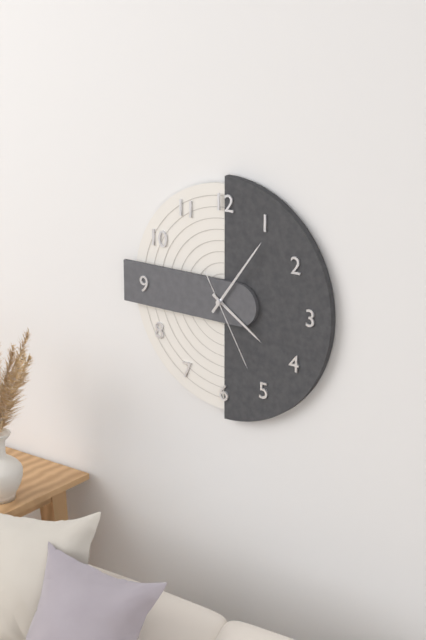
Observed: 4.06.25
